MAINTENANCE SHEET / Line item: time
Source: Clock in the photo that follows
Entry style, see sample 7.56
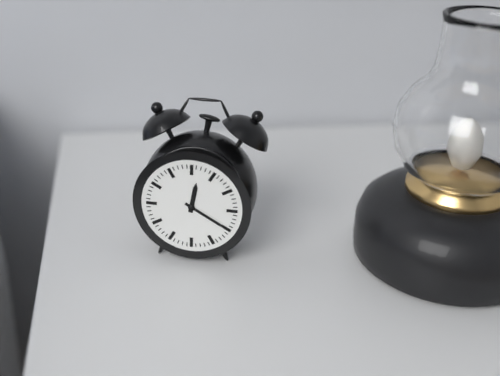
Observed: 12.20
